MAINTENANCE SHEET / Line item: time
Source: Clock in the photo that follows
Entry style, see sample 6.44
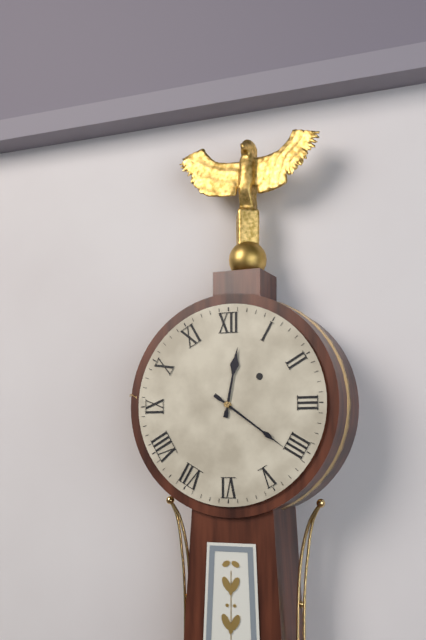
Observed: 12.21
